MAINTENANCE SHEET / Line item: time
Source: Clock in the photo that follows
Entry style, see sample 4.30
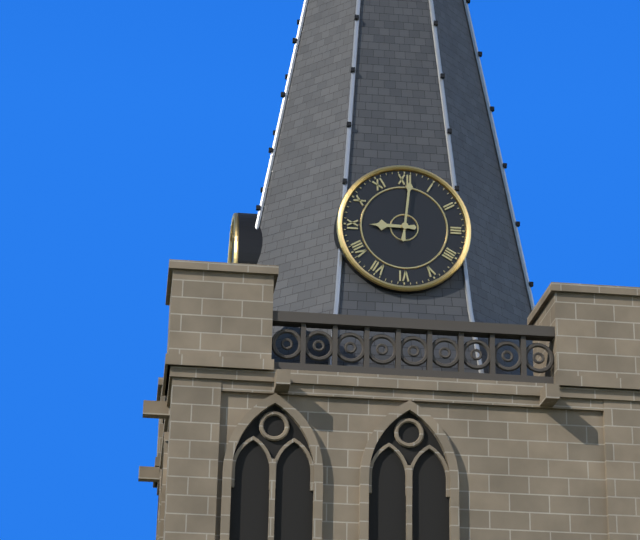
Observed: 9.01
